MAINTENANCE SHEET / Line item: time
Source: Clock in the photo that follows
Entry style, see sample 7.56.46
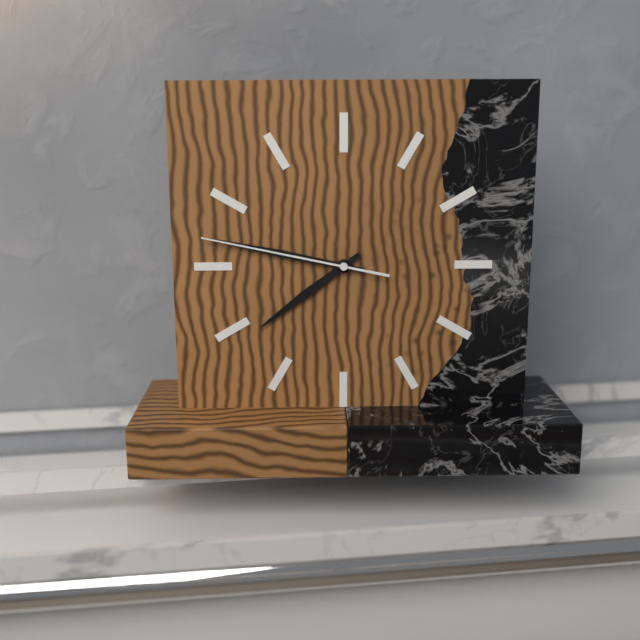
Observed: 7.47.47
